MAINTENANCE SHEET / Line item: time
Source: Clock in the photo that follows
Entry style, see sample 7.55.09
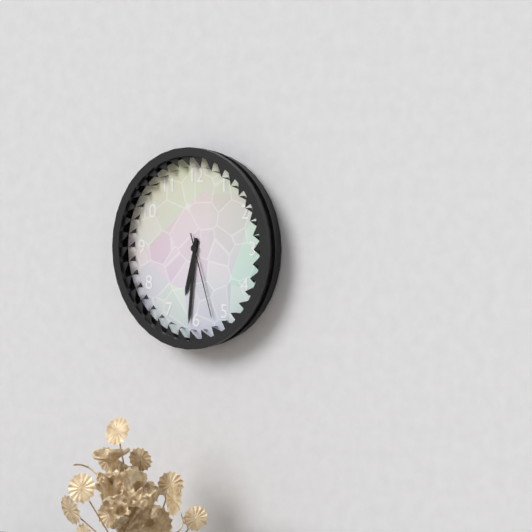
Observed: 6.31.27
